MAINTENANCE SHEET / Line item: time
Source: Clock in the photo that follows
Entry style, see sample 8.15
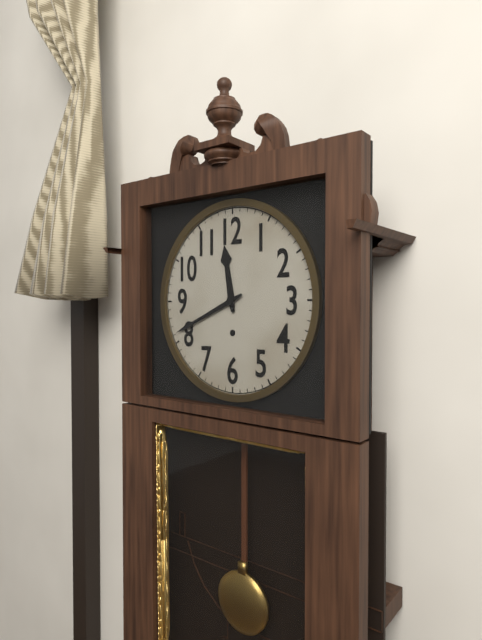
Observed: 11.41
